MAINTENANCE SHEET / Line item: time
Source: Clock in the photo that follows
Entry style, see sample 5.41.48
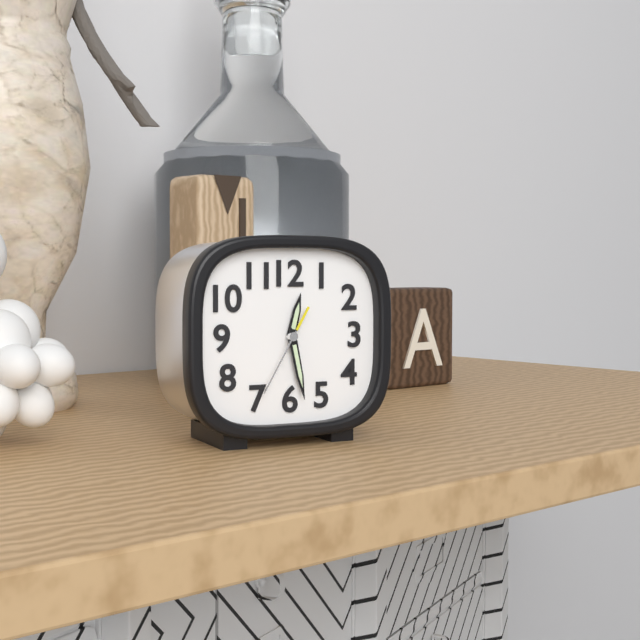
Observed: 12.28.35
